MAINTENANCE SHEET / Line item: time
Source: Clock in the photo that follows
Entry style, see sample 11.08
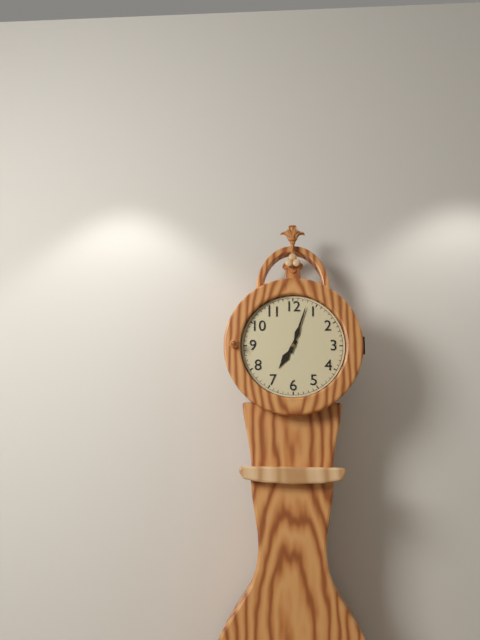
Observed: 7.03
